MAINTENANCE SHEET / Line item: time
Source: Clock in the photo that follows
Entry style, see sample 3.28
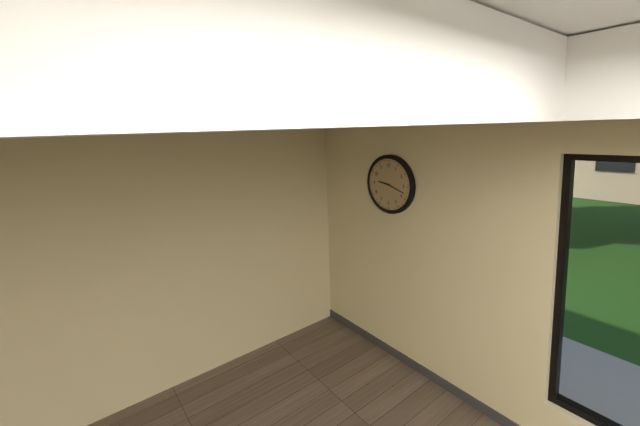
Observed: 9.18
